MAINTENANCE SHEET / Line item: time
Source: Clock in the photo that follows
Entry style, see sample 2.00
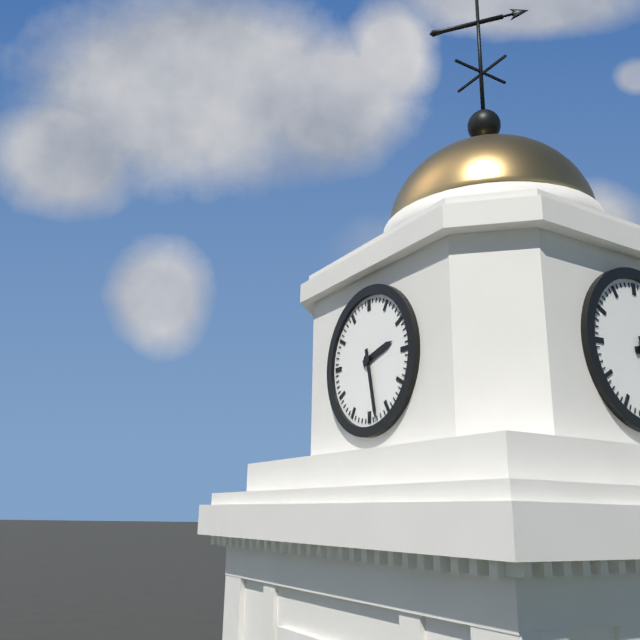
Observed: 2.28
